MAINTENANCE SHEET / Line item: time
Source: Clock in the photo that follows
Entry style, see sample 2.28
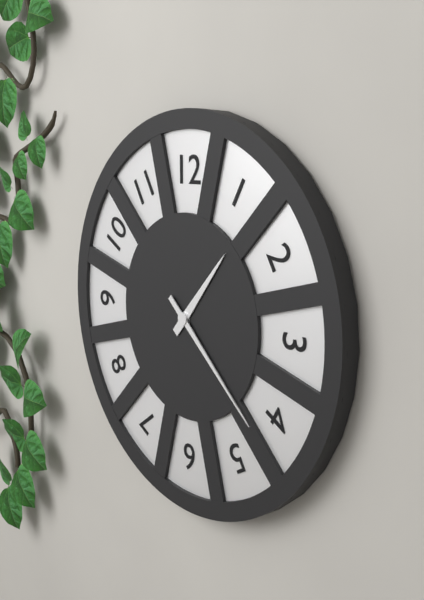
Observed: 1.22
